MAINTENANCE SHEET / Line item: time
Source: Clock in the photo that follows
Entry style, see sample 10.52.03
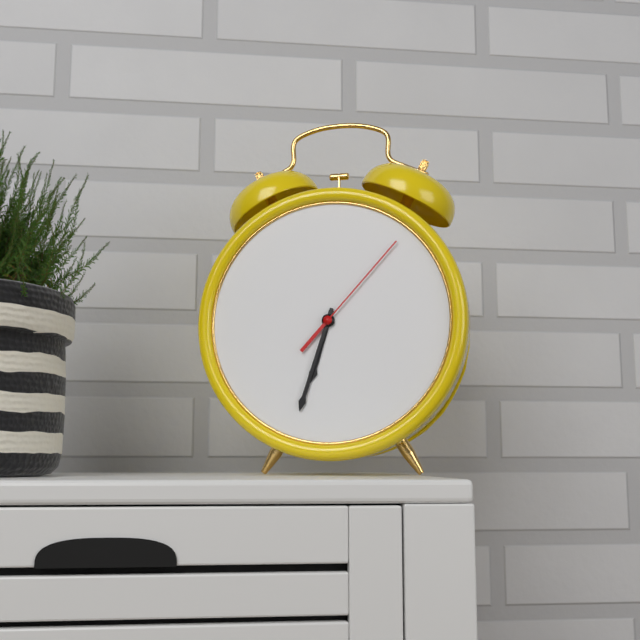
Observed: 6.33.07
